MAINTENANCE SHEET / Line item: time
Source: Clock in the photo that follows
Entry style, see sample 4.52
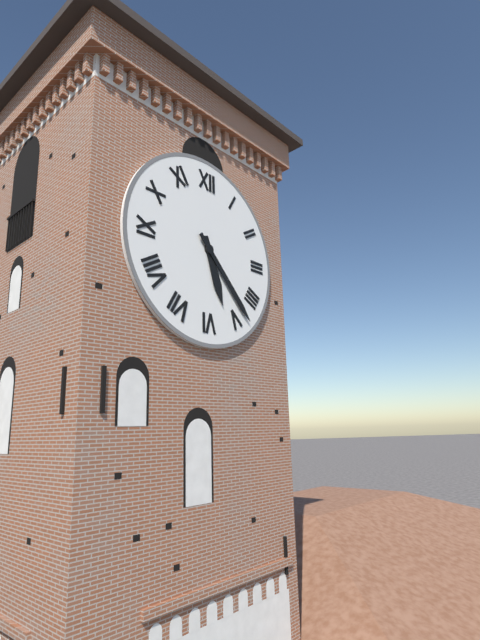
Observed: 5.23
